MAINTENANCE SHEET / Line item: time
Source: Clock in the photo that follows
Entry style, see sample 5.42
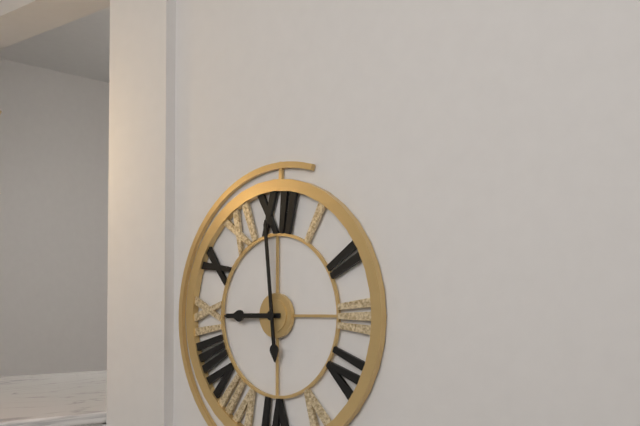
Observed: 8.59
